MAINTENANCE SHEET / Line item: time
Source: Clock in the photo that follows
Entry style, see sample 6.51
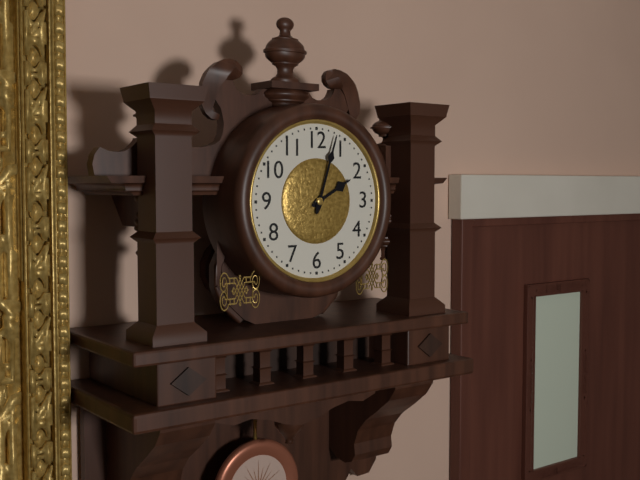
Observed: 2.03
